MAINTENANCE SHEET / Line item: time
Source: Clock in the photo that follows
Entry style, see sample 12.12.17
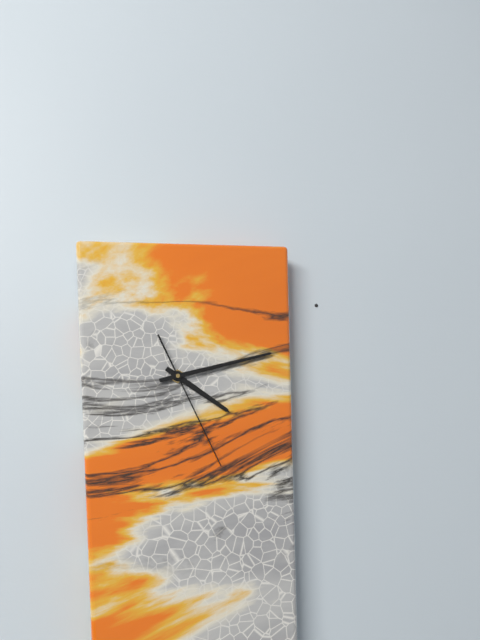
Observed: 4.13.26
